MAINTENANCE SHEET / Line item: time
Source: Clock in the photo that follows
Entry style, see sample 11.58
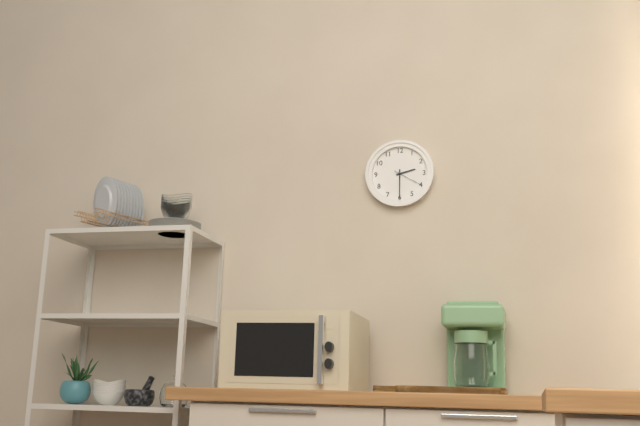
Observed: 2.30
